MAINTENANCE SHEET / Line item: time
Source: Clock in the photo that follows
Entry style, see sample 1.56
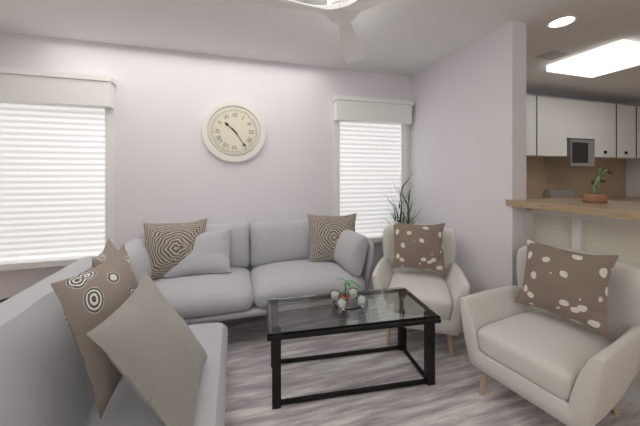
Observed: 10.24
